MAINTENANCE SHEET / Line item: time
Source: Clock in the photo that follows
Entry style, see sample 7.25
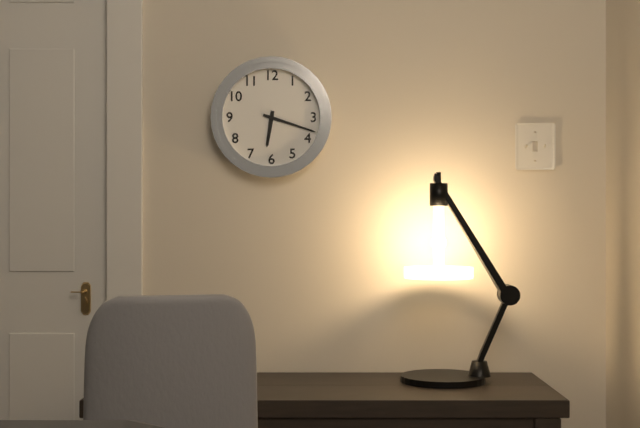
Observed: 6.18
